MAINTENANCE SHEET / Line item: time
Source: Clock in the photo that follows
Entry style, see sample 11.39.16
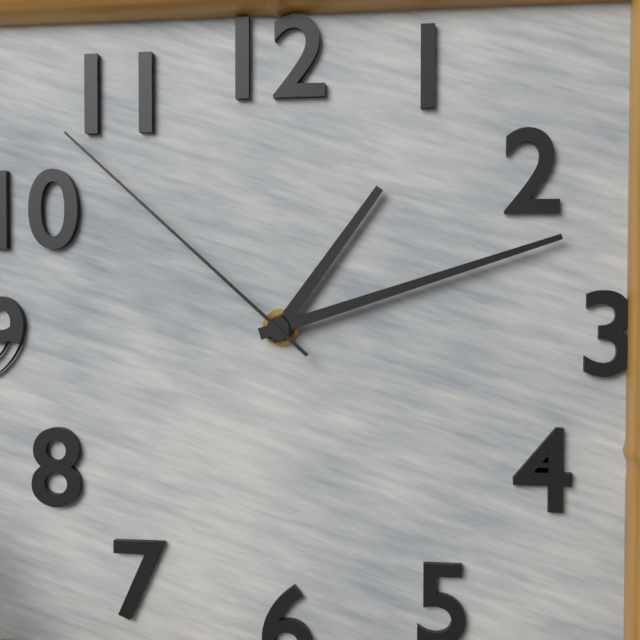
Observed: 1.12.52
